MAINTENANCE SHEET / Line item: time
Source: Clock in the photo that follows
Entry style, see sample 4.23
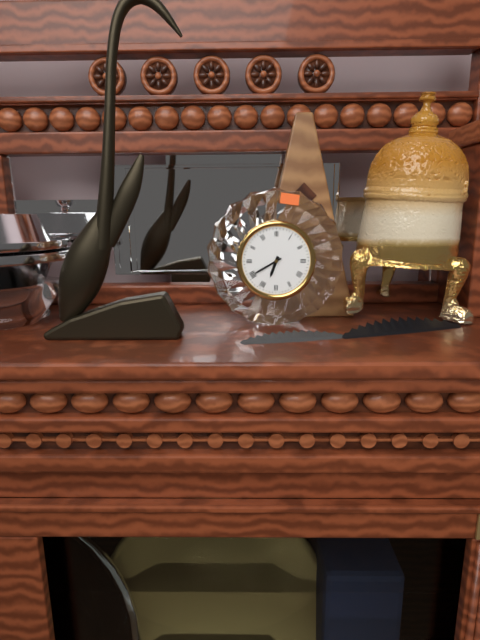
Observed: 6.40
